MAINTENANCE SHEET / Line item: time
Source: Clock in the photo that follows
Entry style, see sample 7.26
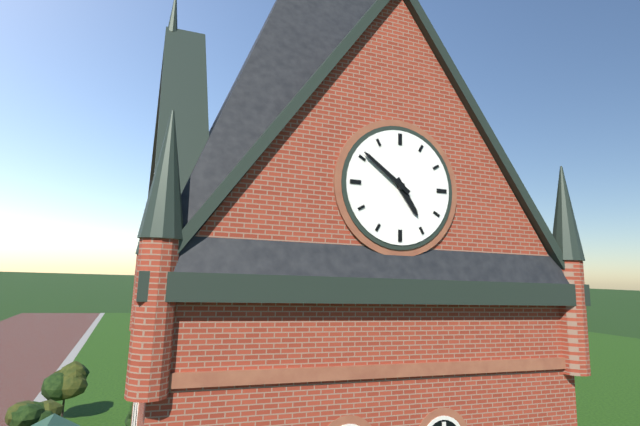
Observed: 4.51
